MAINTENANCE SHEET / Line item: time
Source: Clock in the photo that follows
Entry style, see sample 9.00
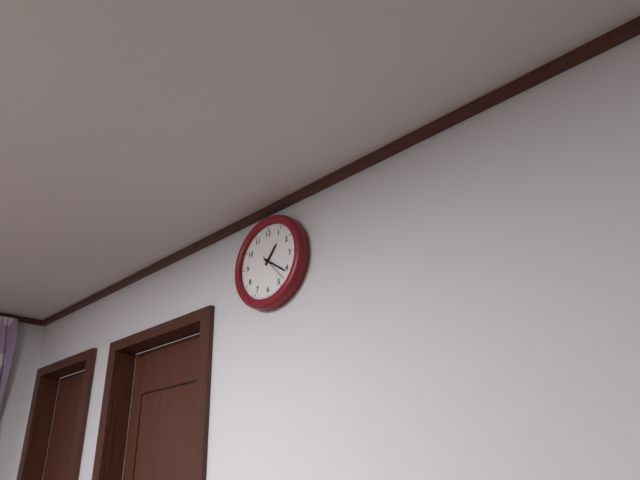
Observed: 1.21
